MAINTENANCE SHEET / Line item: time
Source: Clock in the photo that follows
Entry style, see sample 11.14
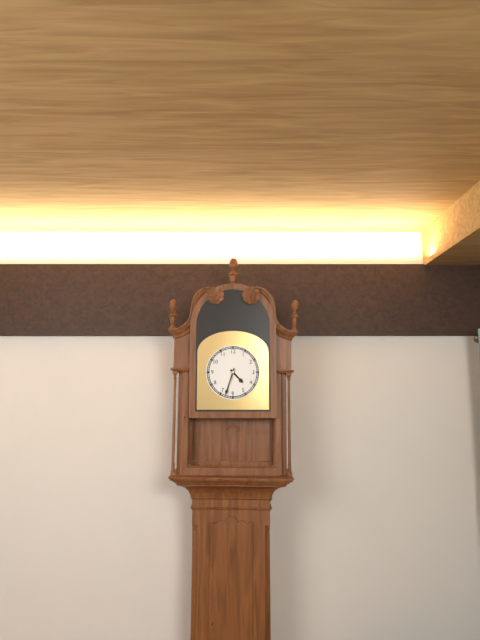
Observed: 4.33
